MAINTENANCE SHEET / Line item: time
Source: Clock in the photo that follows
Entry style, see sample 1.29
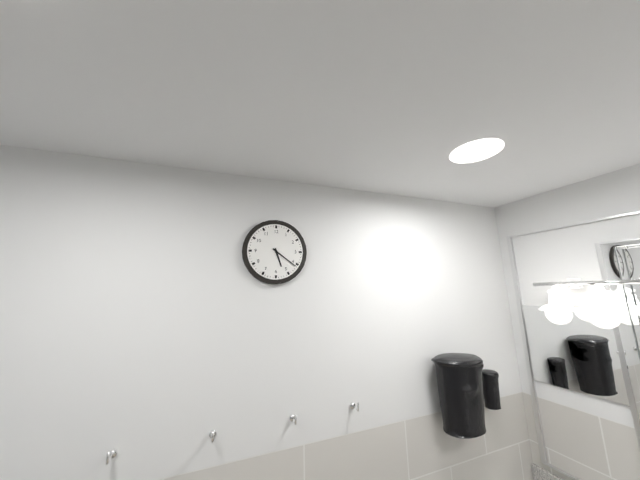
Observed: 5.21
